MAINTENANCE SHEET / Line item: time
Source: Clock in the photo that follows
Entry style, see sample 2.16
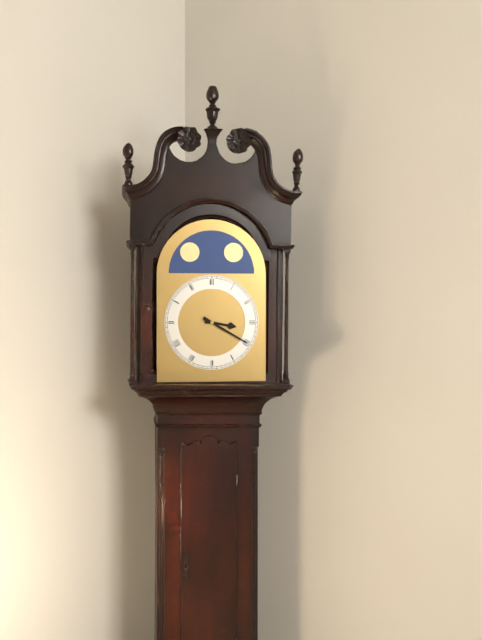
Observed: 3.20
